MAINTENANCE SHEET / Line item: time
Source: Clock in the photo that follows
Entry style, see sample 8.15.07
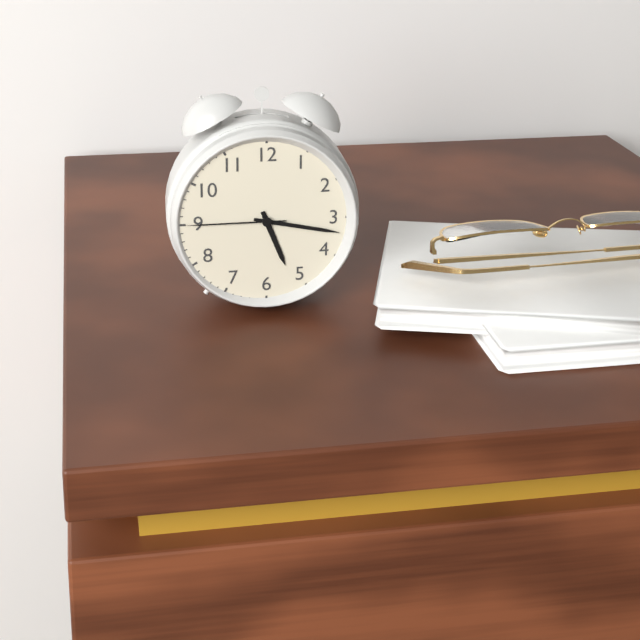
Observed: 5.17.45
